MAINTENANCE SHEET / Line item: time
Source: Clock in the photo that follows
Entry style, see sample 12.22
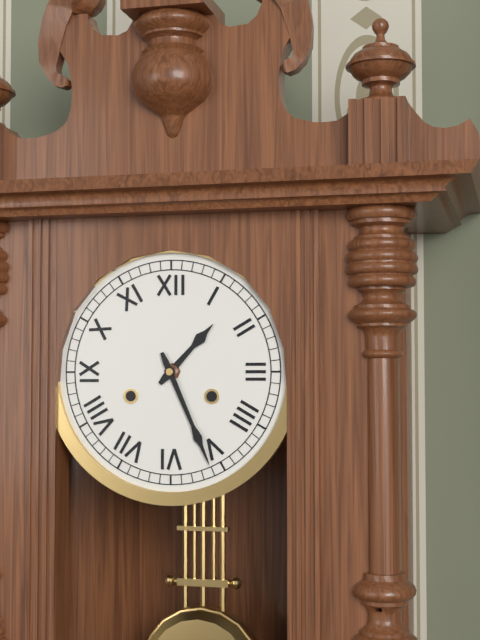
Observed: 1.26
